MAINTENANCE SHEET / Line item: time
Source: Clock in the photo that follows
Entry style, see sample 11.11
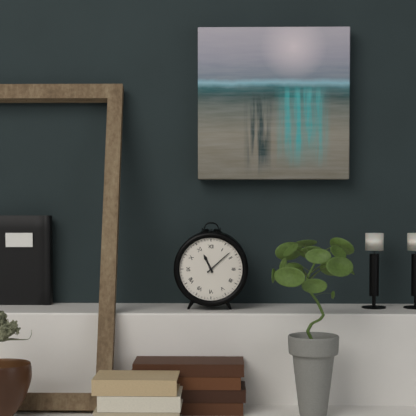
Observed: 11.08
